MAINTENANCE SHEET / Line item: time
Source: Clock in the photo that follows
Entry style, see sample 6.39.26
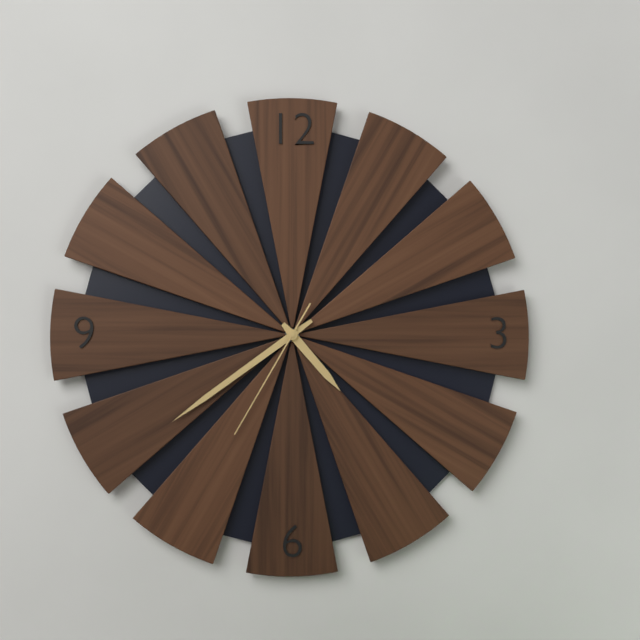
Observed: 4.39.35
